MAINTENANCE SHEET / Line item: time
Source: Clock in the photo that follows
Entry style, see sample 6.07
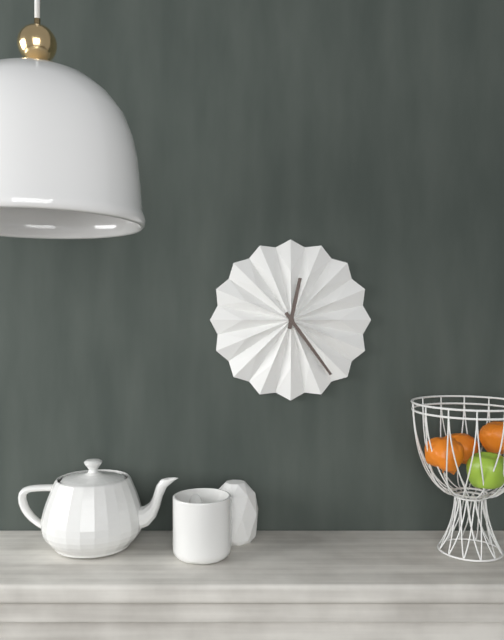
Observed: 12.24
